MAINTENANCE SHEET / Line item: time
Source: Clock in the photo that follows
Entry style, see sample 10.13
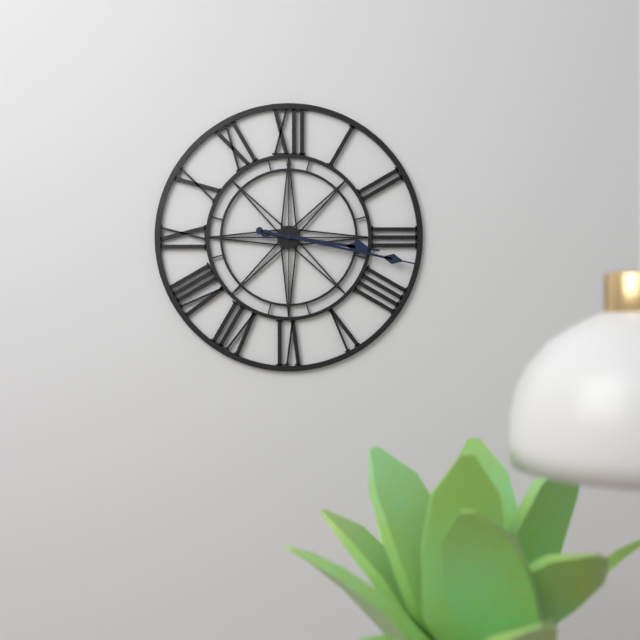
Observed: 3.17
